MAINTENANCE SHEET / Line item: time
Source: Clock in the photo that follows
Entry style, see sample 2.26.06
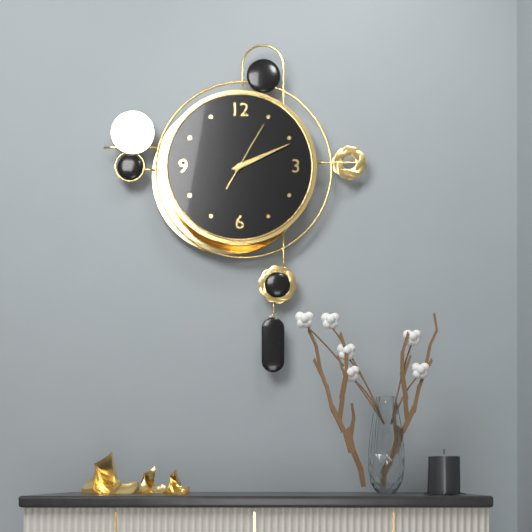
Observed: 2.11.05
